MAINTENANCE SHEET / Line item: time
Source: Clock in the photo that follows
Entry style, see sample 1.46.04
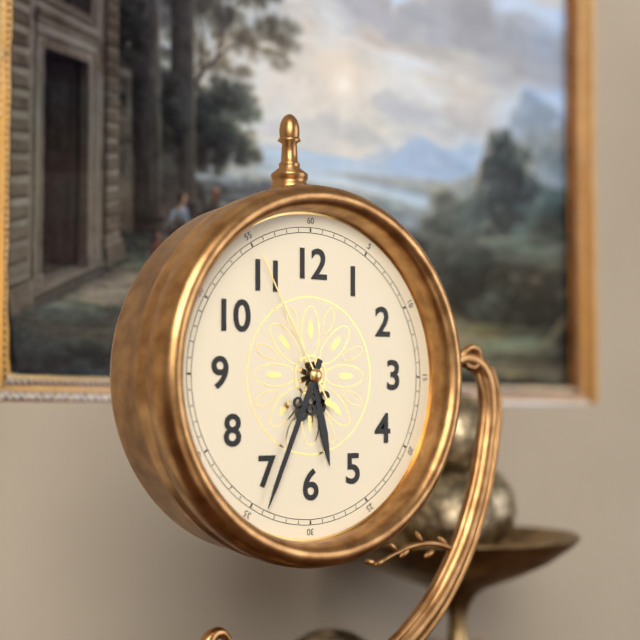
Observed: 5.34.55
